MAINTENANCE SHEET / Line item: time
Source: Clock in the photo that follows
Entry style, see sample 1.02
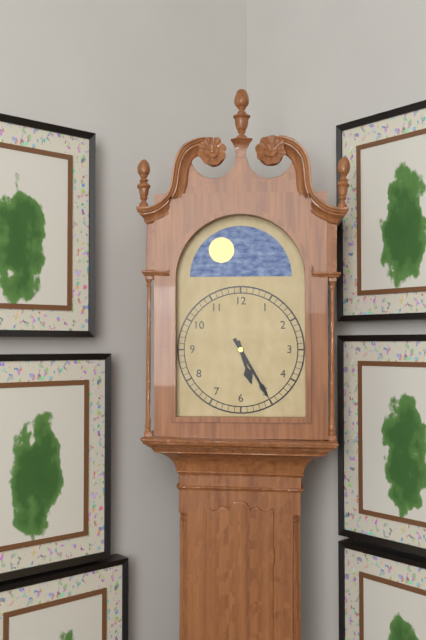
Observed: 5.25
